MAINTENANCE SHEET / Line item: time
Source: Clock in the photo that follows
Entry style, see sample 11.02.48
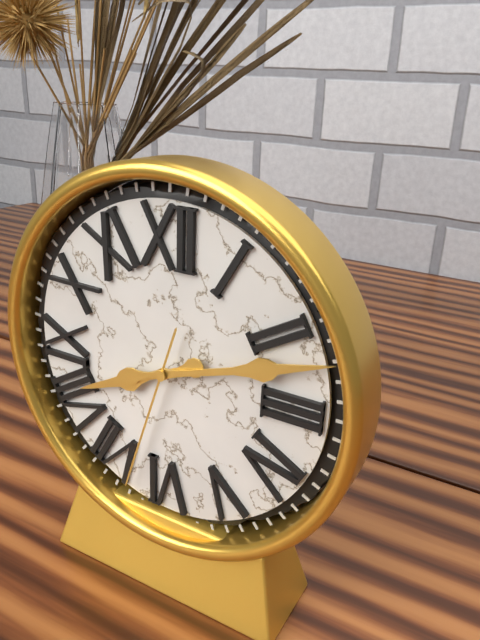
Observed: 8.12.33
